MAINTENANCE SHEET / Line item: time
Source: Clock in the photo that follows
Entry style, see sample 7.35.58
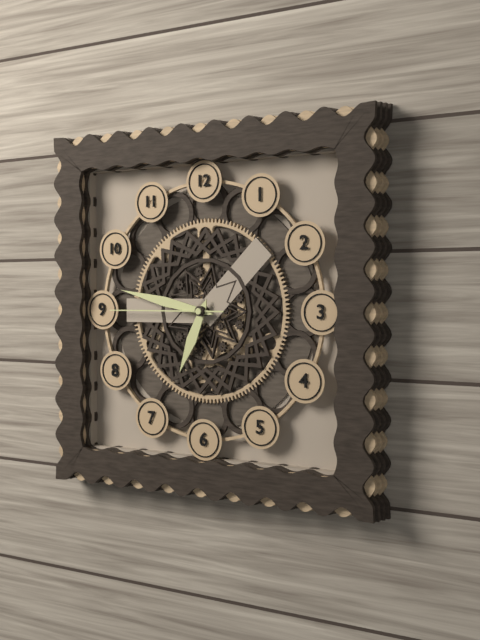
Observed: 6.47.45
